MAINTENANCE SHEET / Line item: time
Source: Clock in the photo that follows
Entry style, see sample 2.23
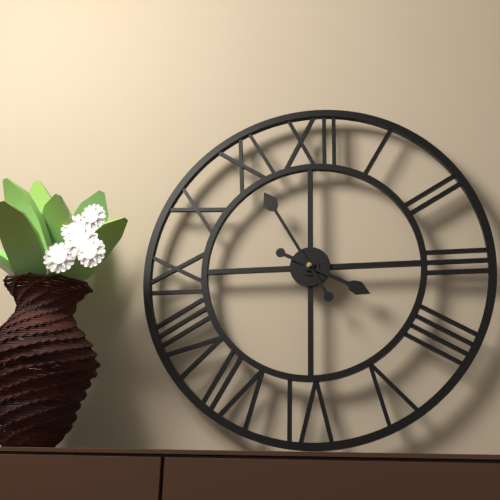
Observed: 3.55
